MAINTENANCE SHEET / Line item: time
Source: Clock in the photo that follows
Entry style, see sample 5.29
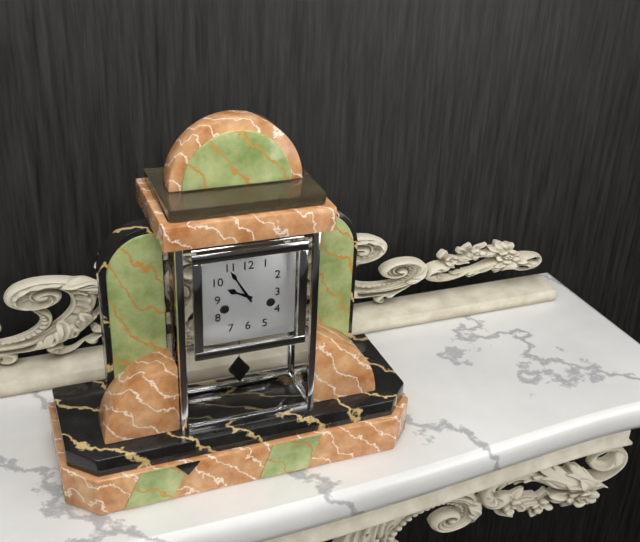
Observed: 9.55
